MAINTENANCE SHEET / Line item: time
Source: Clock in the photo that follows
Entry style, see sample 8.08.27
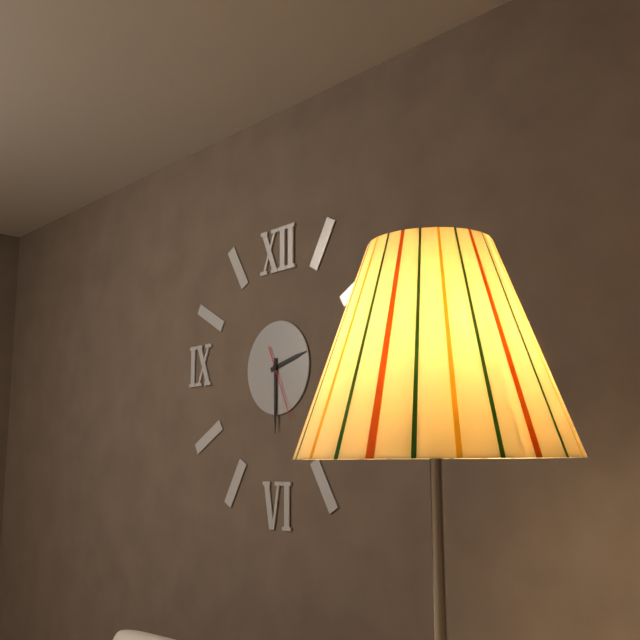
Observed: 2.30.26
